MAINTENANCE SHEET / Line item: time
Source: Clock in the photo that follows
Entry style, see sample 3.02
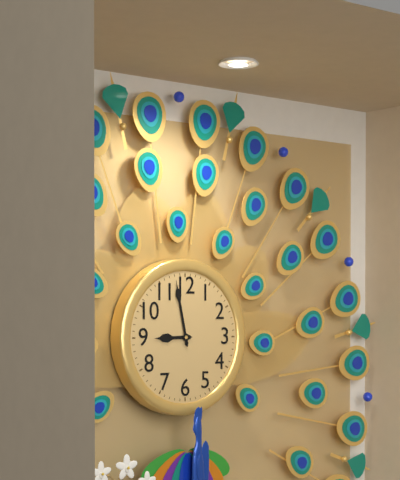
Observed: 8.58
